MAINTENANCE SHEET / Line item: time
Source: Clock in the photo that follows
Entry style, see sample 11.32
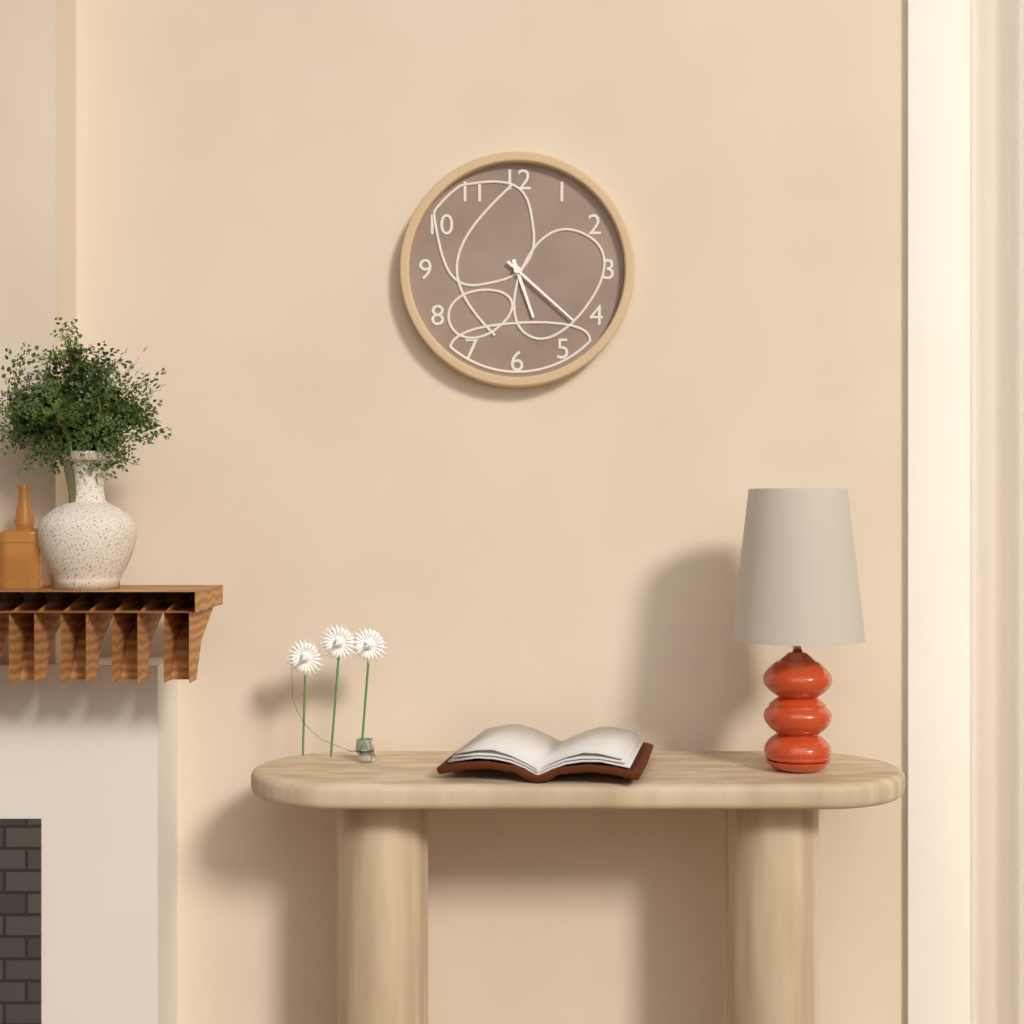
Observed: 5.22
